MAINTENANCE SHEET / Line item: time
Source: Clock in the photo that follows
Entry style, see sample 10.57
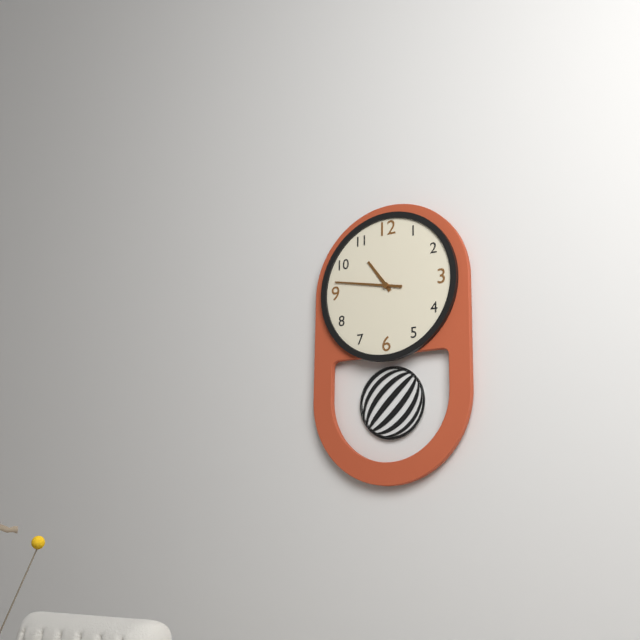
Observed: 10.47
